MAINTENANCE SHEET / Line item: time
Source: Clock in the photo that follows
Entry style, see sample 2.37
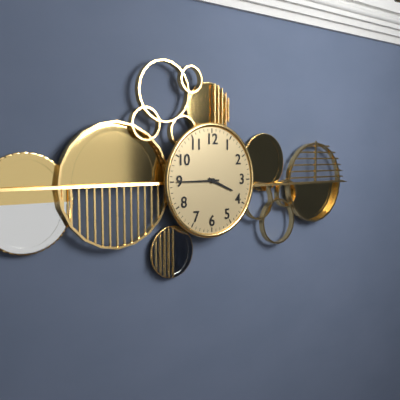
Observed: 3.45
